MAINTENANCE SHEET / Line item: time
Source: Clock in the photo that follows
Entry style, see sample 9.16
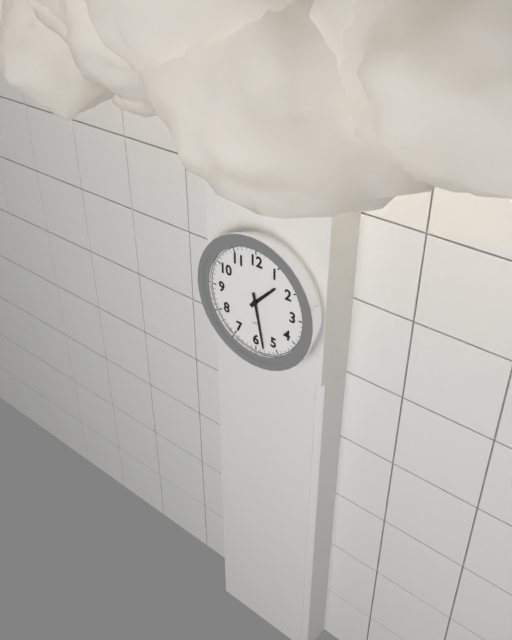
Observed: 1.28
